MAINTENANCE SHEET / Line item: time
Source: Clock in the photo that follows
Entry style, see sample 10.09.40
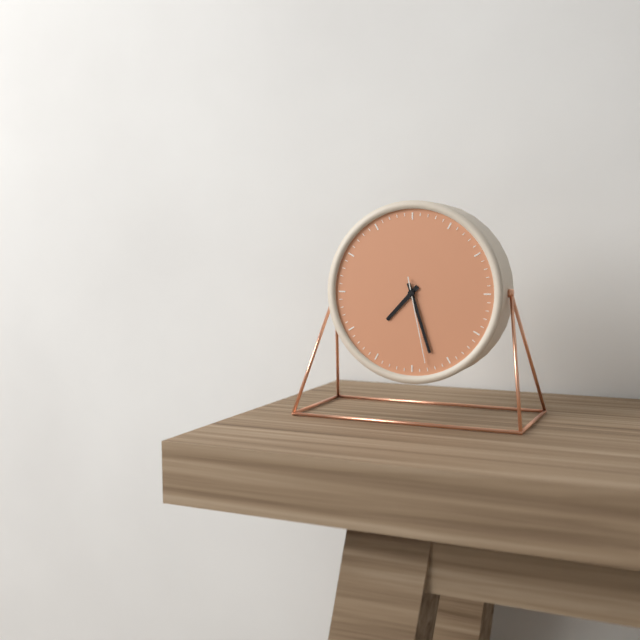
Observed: 7.27.28
